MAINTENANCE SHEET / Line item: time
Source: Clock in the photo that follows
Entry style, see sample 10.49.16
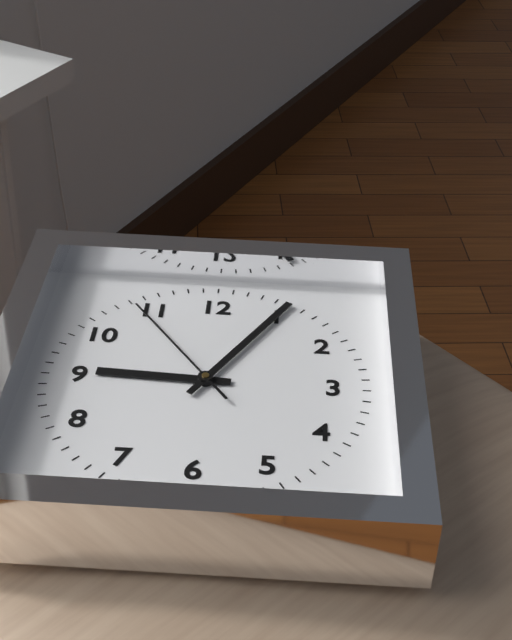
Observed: 9.05.54
